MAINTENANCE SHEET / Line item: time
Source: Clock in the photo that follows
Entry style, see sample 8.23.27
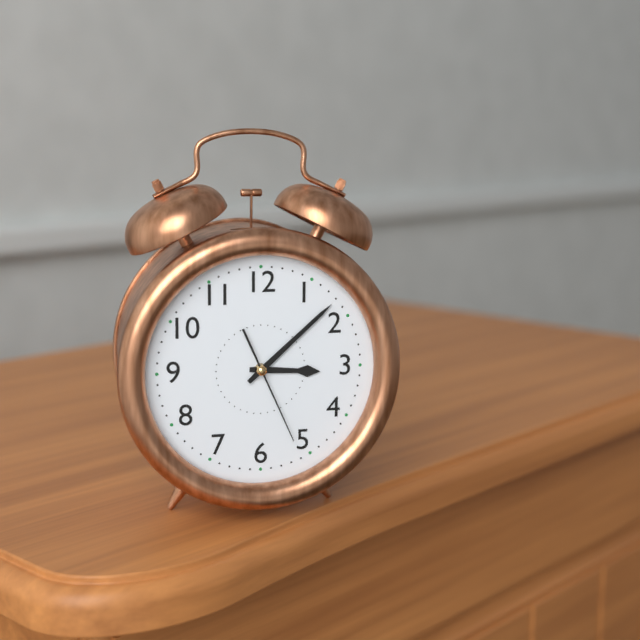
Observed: 3.08.26
